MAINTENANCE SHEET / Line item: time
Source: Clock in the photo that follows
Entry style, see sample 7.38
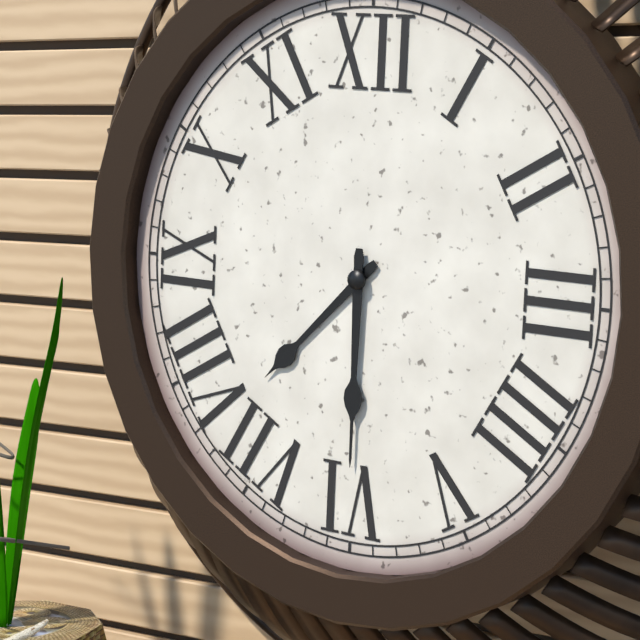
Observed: 7.30
